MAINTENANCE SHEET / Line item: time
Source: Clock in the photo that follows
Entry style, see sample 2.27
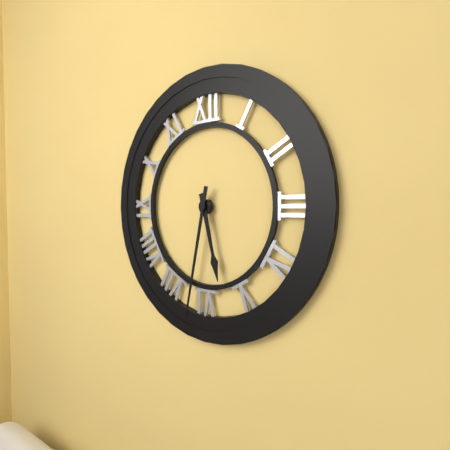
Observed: 5.32
